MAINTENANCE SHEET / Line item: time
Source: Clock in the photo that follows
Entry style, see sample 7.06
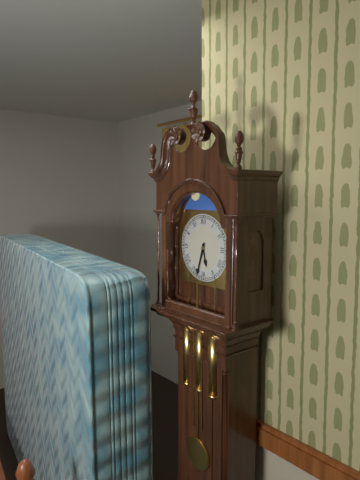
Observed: 5.33
